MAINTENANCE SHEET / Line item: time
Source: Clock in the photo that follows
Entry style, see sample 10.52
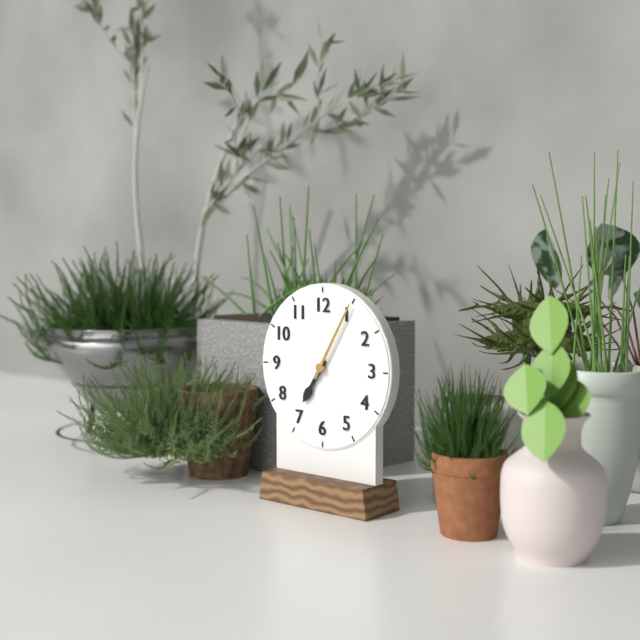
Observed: 7.05
